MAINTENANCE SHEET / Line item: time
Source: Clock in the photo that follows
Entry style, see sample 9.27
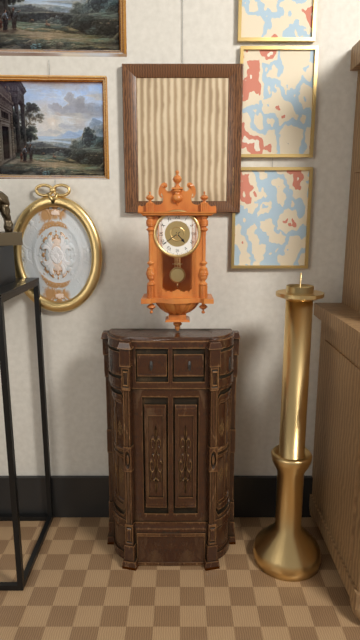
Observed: 4.39
